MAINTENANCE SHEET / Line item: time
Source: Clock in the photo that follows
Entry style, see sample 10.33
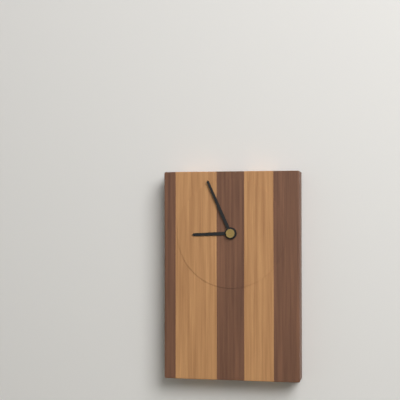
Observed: 8.56
